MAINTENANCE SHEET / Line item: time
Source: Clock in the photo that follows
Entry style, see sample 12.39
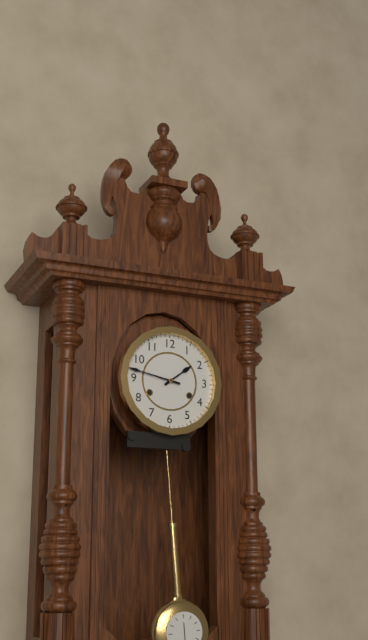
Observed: 1.47
